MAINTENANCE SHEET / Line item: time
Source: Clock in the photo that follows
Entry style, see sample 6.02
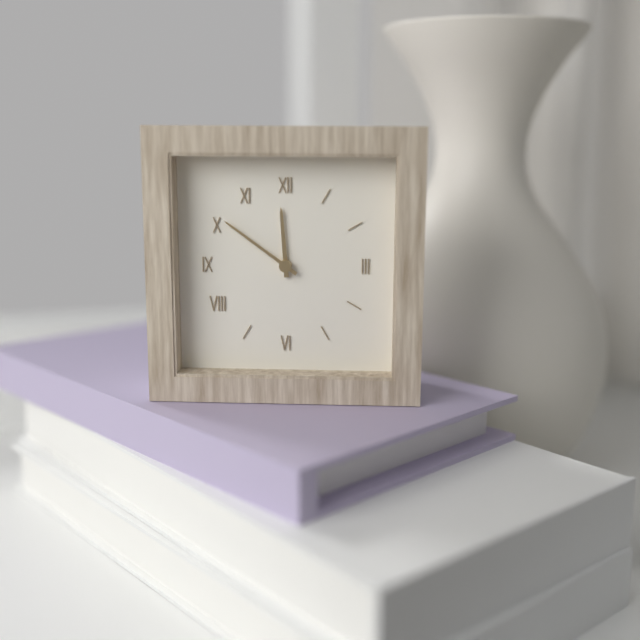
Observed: 11.51
